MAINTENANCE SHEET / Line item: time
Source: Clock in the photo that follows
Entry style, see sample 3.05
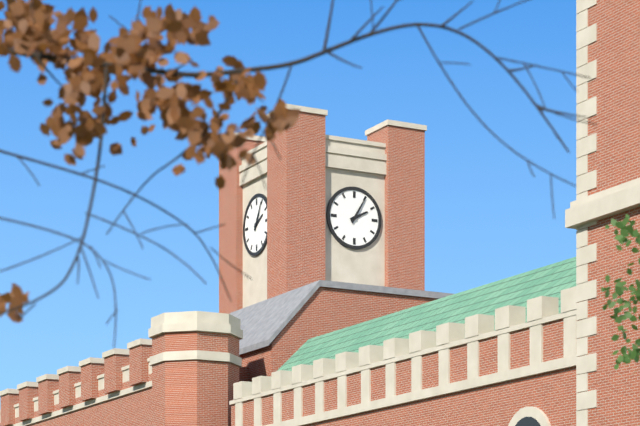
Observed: 2.05
